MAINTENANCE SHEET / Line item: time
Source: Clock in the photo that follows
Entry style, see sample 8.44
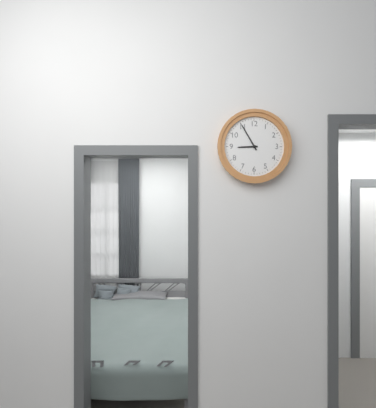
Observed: 8.55
